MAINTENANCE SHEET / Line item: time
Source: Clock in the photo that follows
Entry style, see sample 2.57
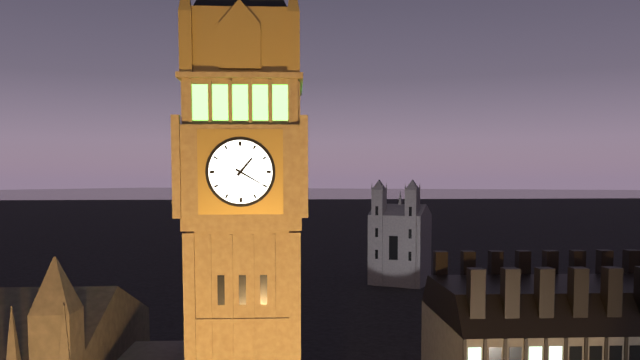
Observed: 1.20
